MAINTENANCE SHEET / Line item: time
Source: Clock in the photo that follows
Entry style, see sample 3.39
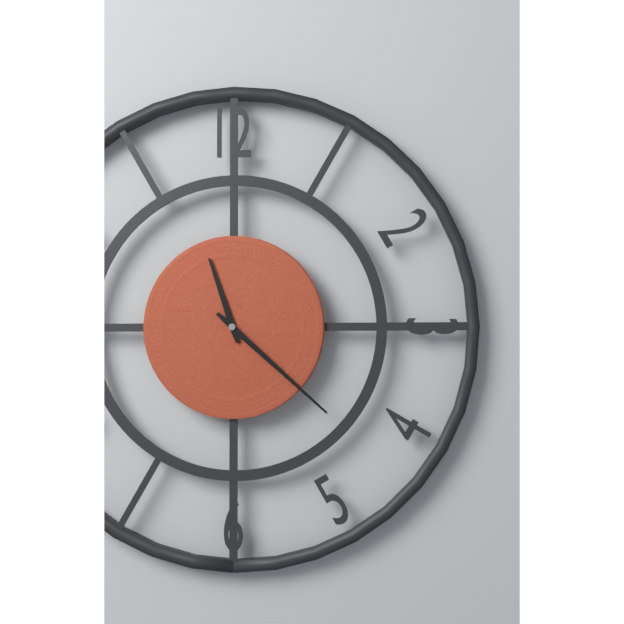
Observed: 11.22
